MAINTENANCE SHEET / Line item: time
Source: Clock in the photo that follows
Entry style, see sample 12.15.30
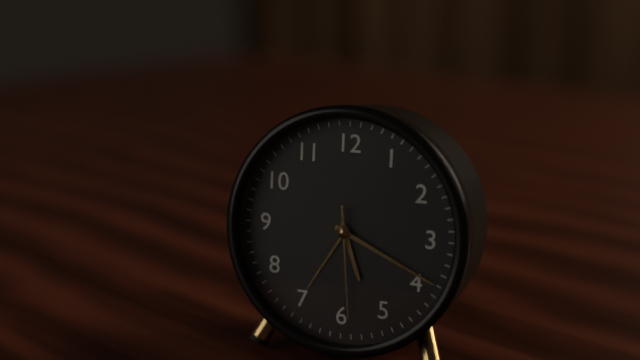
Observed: 5.19.29
